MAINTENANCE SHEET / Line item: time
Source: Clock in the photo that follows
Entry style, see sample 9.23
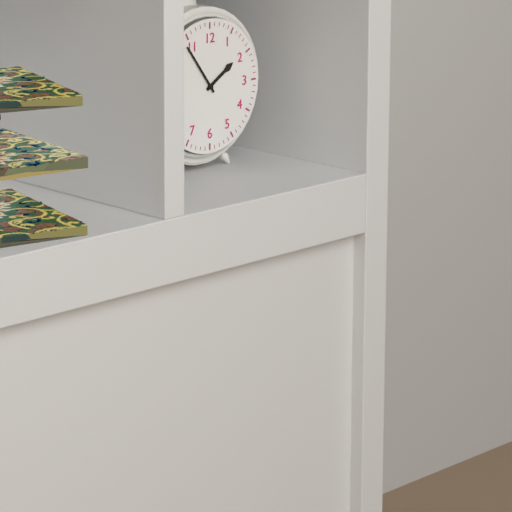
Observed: 1.54
